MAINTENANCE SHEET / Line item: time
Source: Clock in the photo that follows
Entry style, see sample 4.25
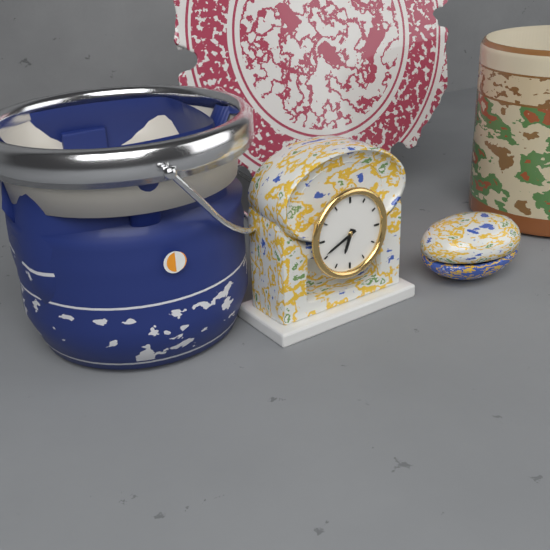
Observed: 6.41
